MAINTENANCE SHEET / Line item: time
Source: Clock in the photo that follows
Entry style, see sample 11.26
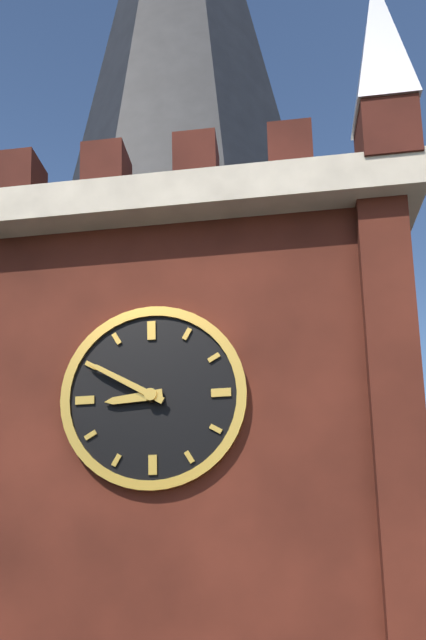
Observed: 8.50
